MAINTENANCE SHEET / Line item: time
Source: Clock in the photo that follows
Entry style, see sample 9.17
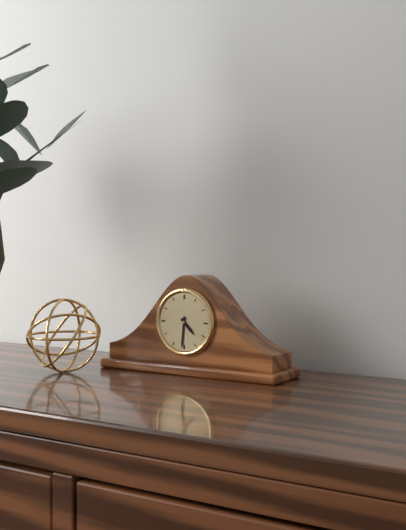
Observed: 4.31
